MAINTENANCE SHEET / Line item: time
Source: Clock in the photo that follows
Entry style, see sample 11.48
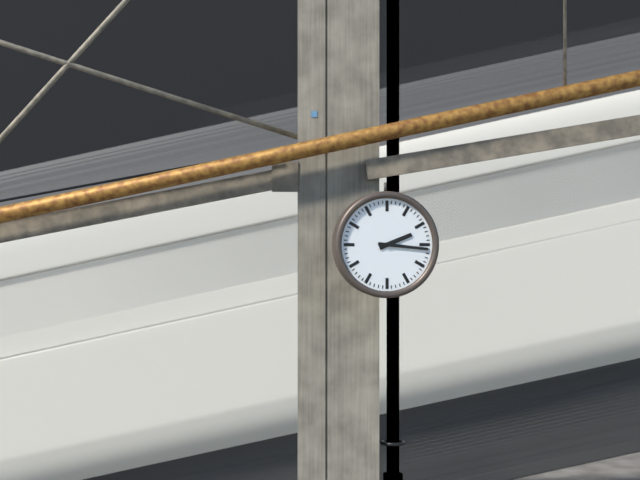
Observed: 2.16
